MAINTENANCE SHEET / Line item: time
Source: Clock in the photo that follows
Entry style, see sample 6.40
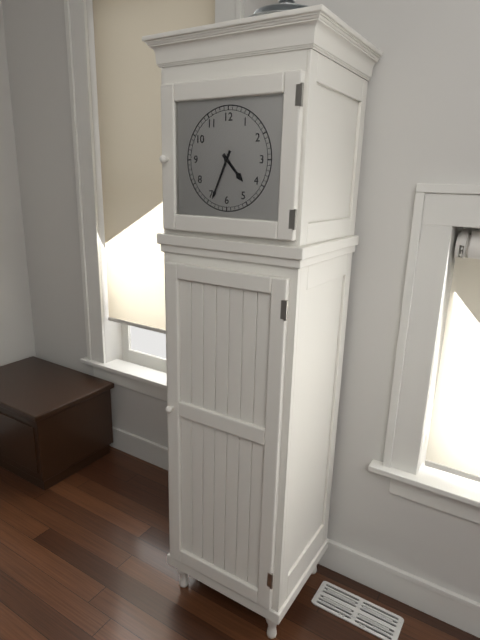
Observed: 4.34
